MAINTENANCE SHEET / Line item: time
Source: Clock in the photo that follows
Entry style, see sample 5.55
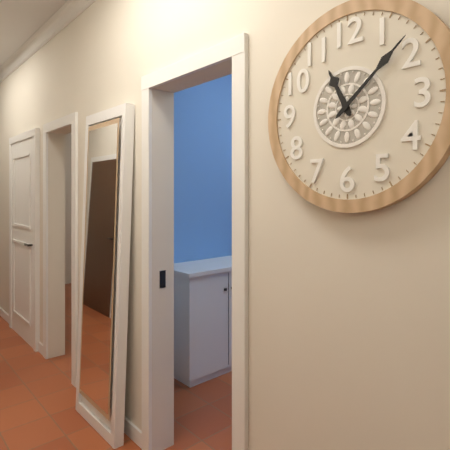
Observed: 11.08
